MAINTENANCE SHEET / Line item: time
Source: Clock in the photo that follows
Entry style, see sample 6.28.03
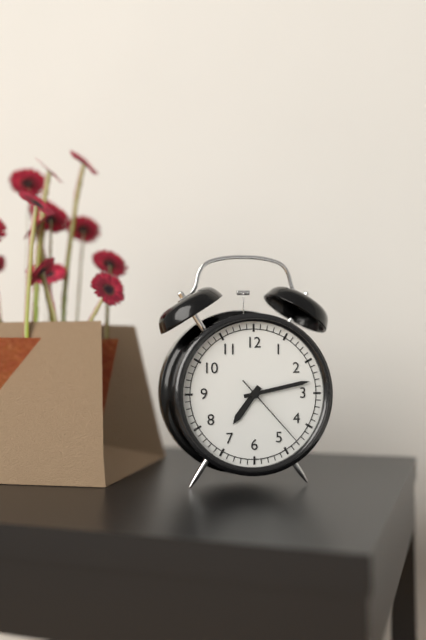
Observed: 7.13.23
